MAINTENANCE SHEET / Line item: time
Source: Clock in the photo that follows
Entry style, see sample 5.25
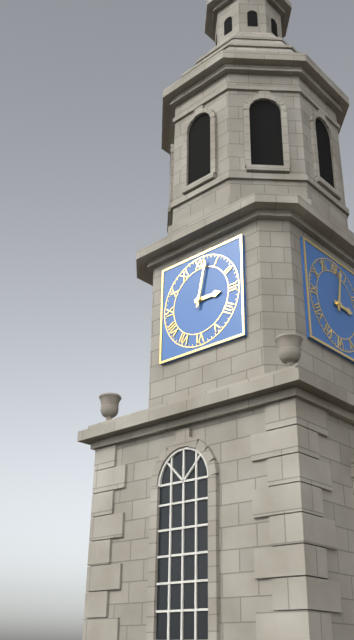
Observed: 3.02
